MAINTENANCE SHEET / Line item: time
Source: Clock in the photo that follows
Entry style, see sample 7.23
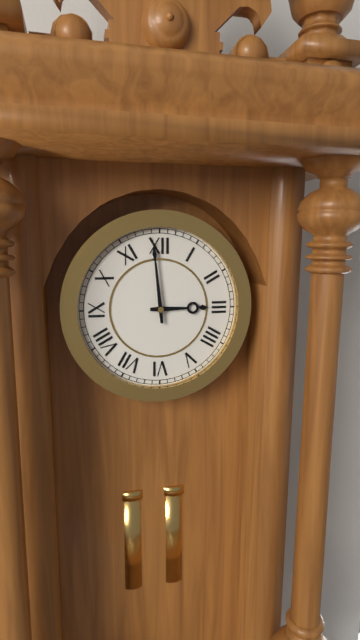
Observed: 2.59
